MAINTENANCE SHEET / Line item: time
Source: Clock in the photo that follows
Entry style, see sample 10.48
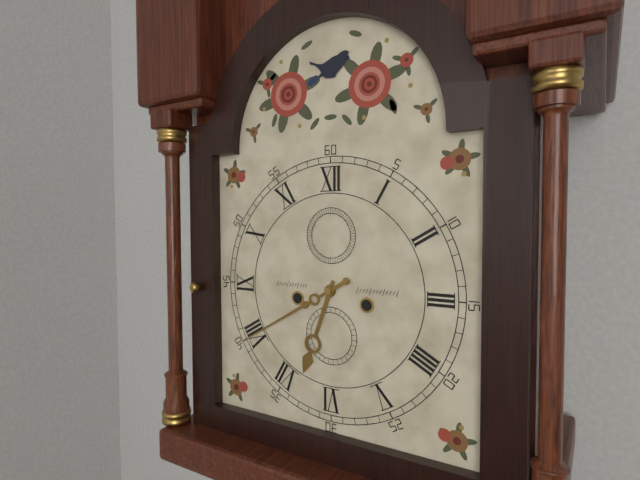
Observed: 6.40
